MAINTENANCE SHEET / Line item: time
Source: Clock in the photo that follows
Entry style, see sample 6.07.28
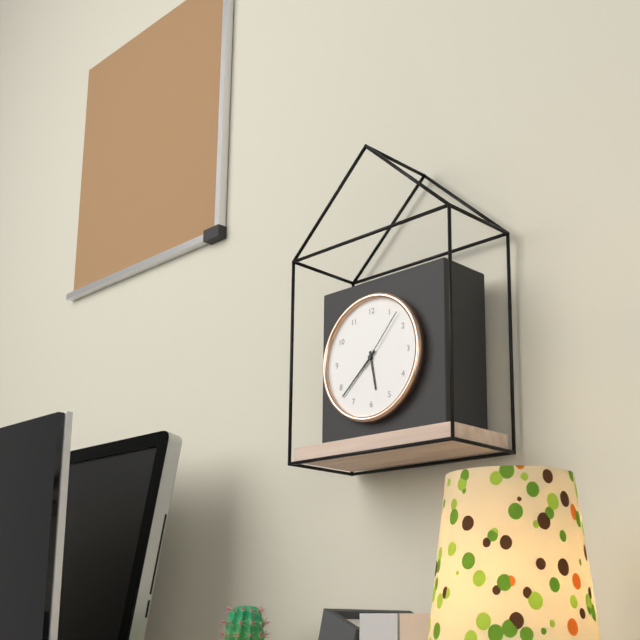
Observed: 5.38.07
